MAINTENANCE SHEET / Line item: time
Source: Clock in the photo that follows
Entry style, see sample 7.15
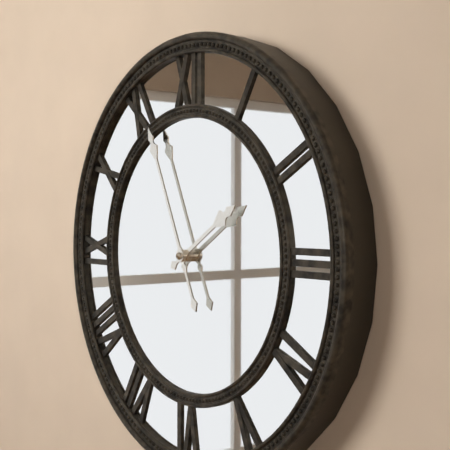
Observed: 1.56
